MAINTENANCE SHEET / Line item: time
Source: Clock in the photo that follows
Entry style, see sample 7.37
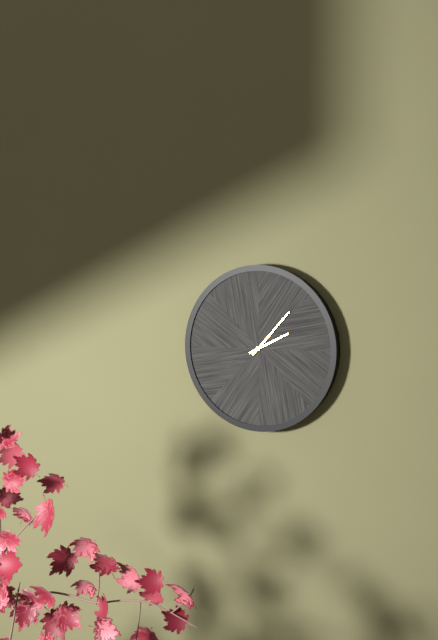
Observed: 2.07
